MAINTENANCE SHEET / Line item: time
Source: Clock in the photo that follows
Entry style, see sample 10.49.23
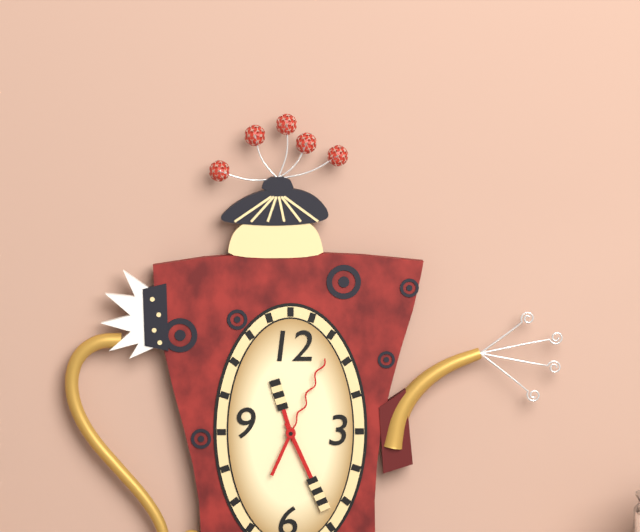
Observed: 11.26.04
